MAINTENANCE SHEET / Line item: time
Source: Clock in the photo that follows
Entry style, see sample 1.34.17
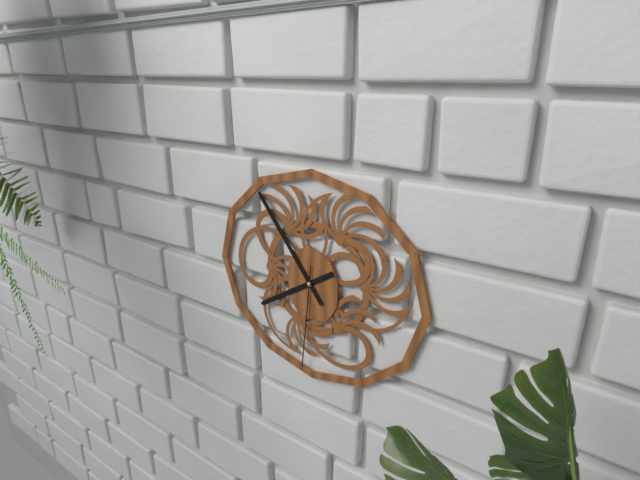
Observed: 7.54.31
